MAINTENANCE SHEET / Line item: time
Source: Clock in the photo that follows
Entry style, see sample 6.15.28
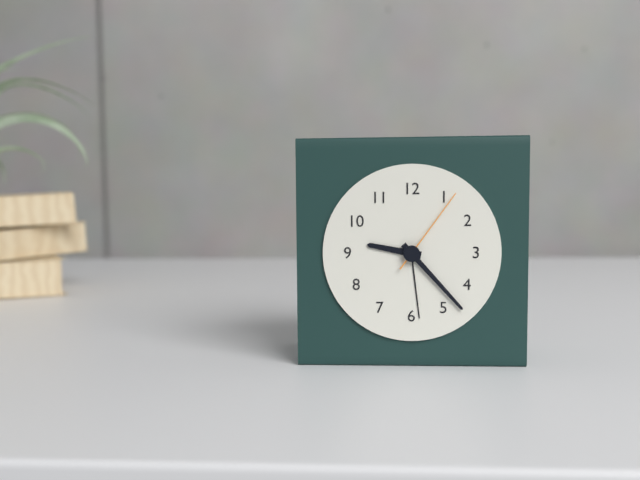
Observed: 9.23.06
